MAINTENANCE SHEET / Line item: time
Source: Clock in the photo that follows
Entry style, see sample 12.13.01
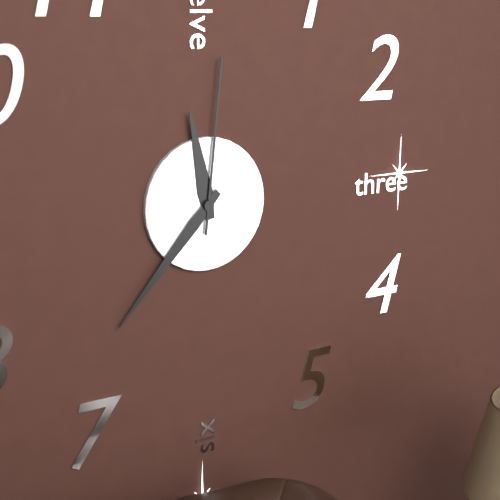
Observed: 11.37.01
